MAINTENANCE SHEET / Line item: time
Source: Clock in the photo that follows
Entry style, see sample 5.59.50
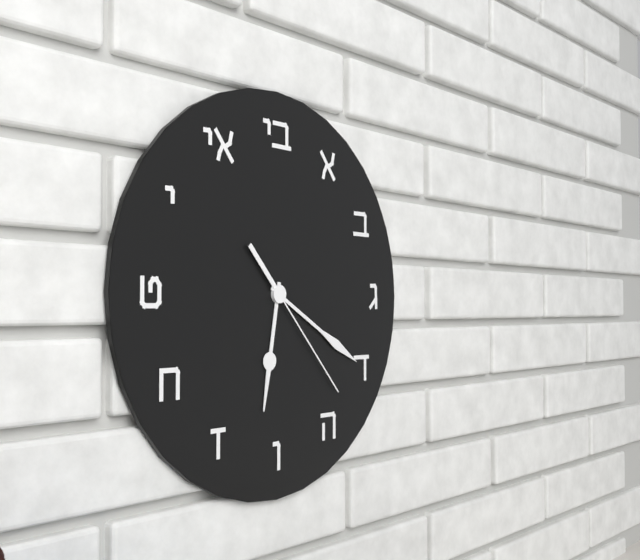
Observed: 6.20.23
